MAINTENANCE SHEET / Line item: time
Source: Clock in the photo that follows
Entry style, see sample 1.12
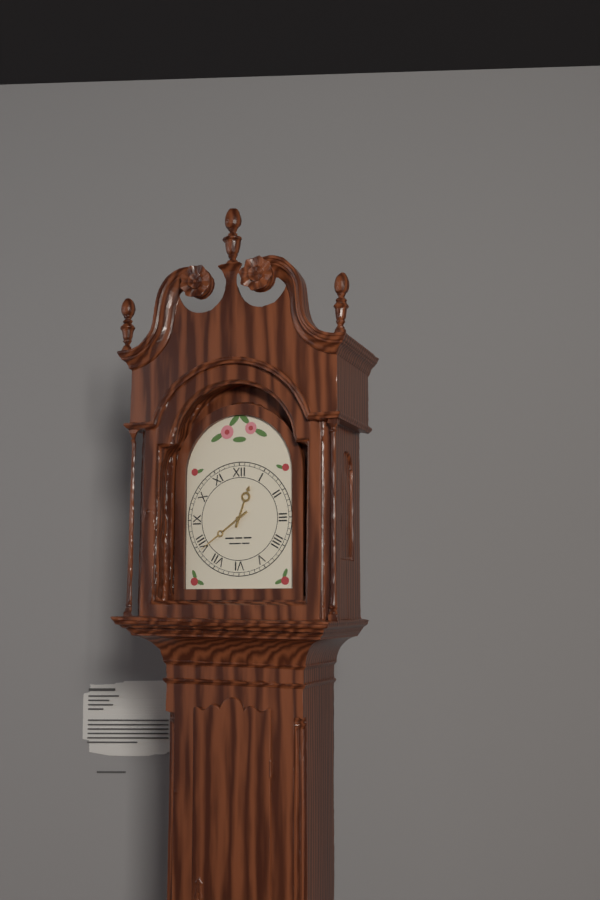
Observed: 12.39
